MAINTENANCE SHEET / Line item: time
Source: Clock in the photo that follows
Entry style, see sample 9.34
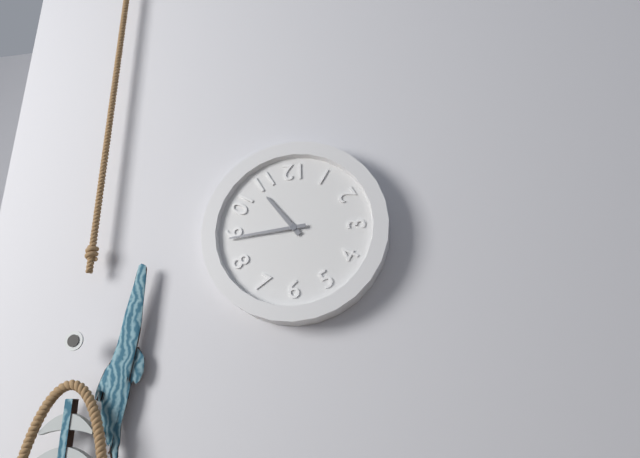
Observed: 10.44
